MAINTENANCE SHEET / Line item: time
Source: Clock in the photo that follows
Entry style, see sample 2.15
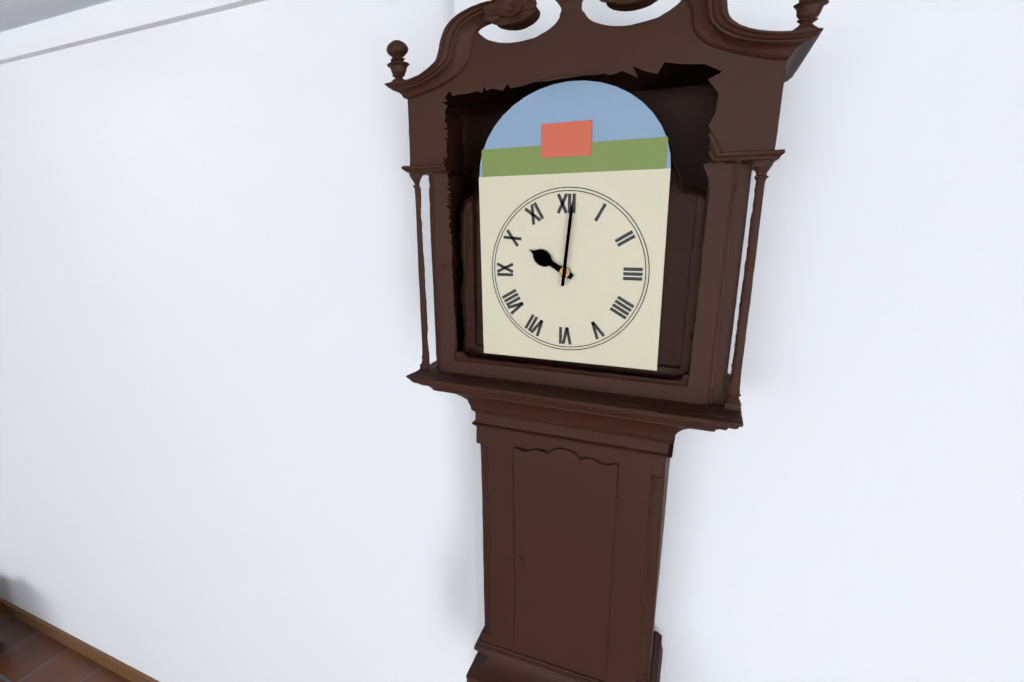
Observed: 10.01
